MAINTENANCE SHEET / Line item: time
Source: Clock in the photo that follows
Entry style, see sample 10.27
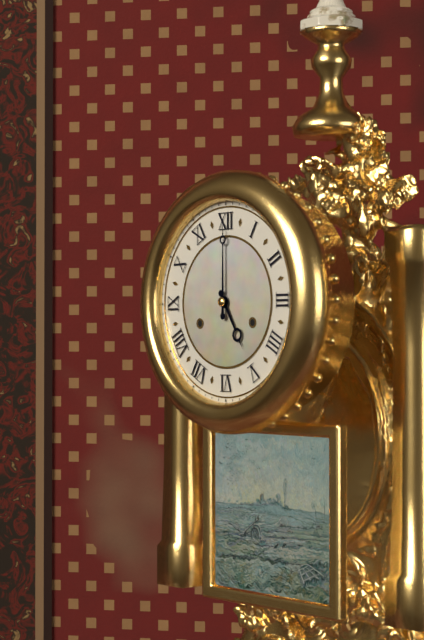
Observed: 5.00
